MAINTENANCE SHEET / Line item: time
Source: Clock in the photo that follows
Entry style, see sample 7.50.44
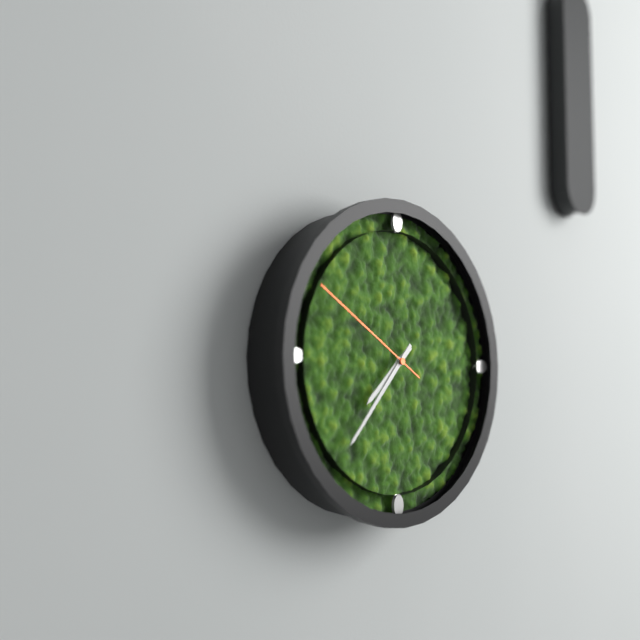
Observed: 7.37.50
